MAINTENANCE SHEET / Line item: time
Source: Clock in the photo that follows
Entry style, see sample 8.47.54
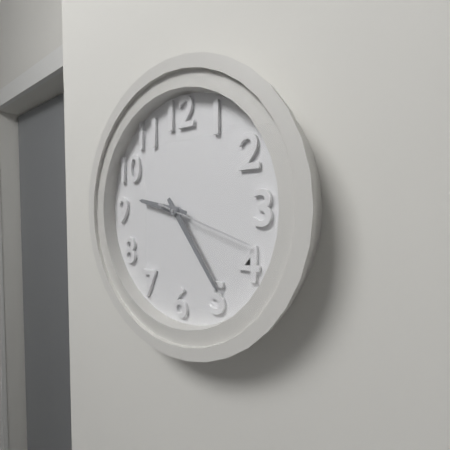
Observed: 9.24.18
